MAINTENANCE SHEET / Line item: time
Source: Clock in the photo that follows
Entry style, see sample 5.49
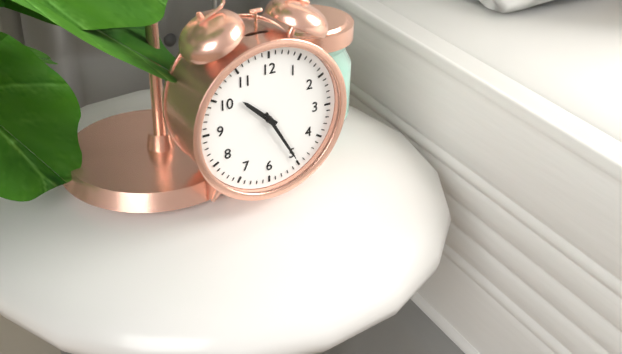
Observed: 10.25
